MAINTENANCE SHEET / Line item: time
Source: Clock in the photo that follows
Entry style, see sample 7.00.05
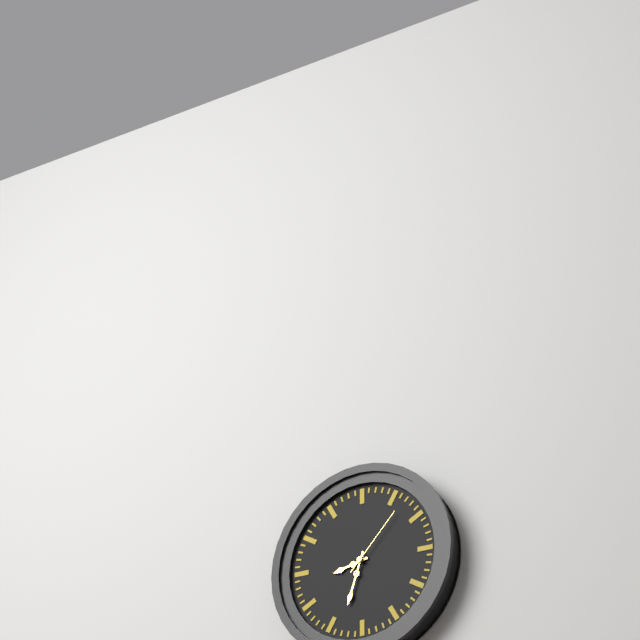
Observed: 8.33.07
